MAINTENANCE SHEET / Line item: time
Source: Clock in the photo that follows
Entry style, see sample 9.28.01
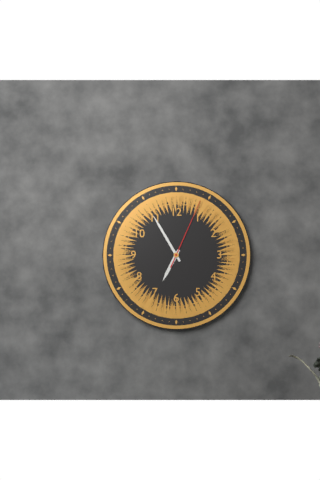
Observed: 6.55.04
